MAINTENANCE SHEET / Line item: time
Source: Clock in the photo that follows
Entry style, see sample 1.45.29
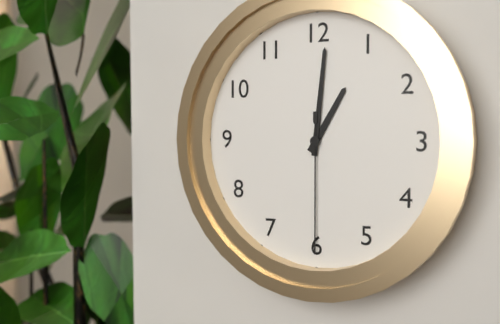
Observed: 1.01.30
